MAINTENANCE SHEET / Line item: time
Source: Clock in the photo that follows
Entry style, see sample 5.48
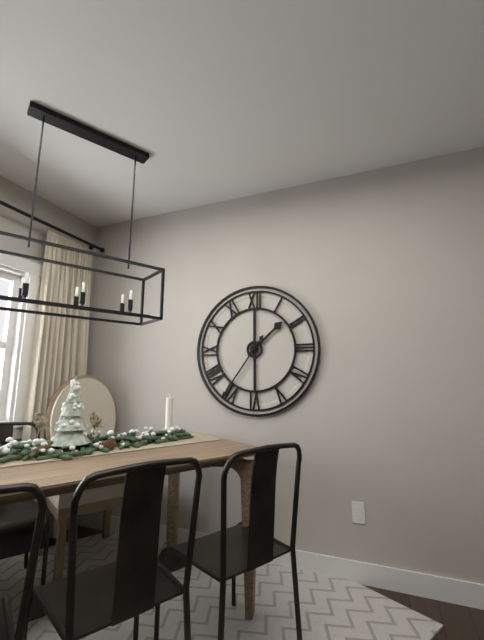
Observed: 1.36
